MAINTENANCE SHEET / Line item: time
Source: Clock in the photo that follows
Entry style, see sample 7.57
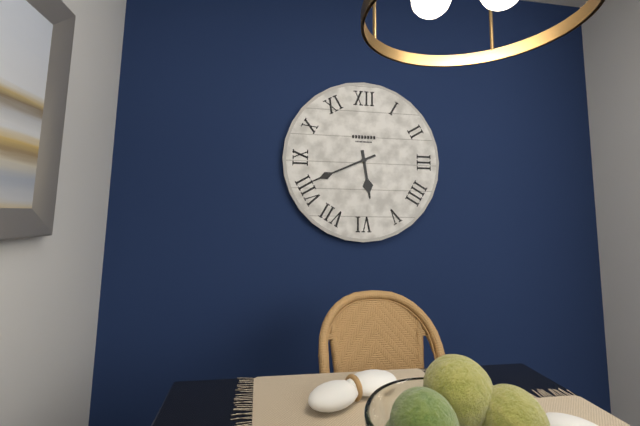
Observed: 5.41
